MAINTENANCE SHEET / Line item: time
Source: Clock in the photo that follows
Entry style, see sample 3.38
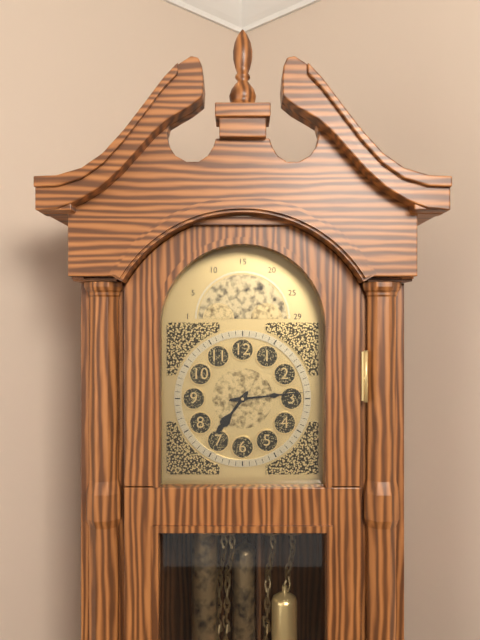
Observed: 7.14
